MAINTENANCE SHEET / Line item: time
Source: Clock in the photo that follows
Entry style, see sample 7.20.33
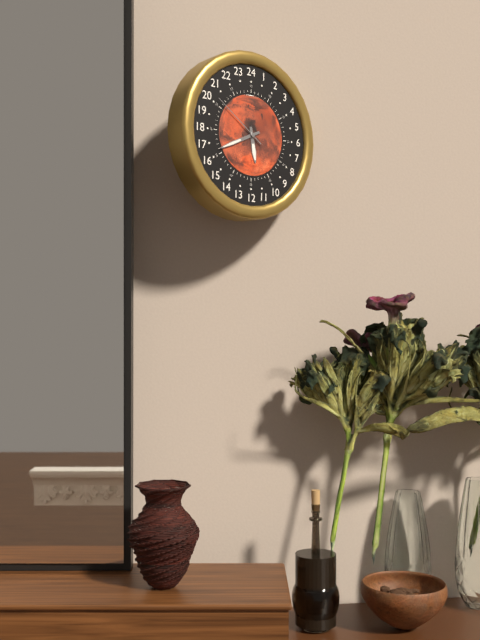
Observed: 5.41.51
